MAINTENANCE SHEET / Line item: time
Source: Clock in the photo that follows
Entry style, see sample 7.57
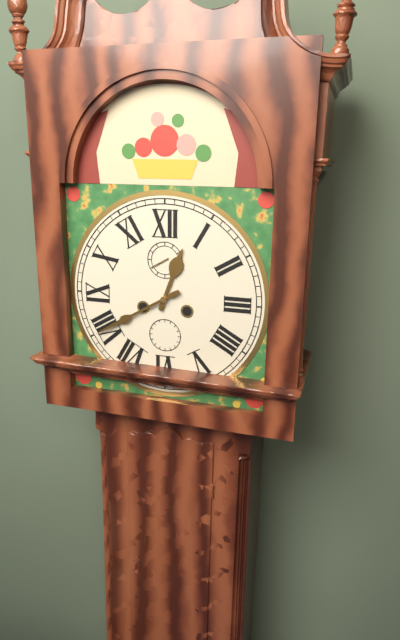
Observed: 12.40
